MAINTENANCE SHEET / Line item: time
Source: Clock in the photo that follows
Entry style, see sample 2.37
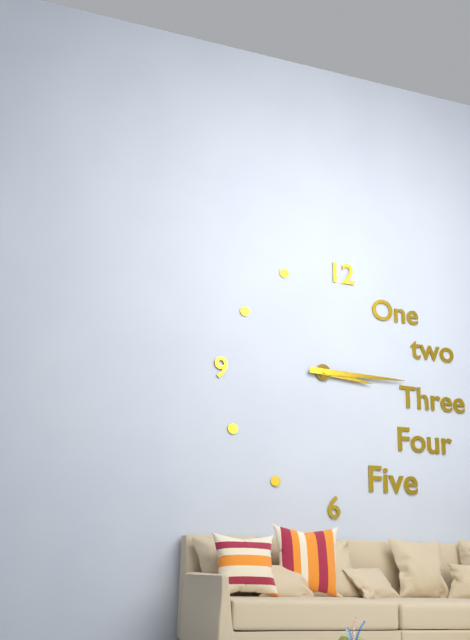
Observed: 3.15
